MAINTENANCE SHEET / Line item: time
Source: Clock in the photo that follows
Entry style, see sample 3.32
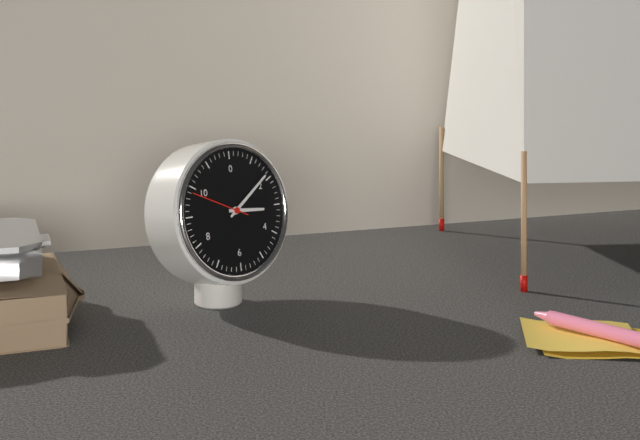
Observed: 3.09
